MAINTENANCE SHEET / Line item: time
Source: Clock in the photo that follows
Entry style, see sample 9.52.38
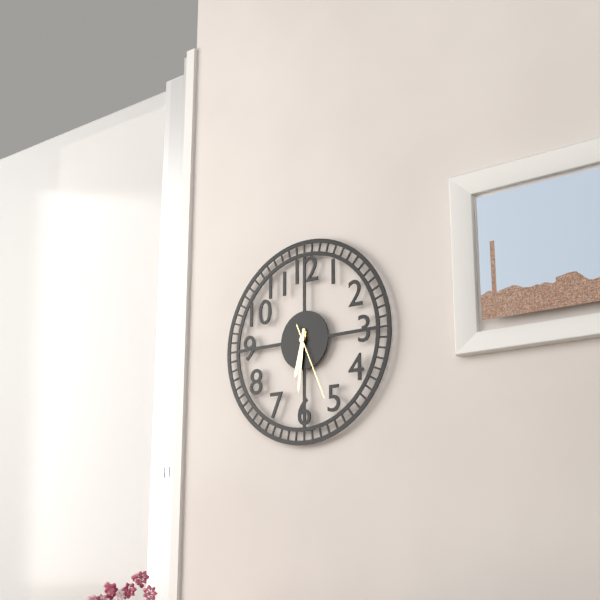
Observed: 6.31.26
